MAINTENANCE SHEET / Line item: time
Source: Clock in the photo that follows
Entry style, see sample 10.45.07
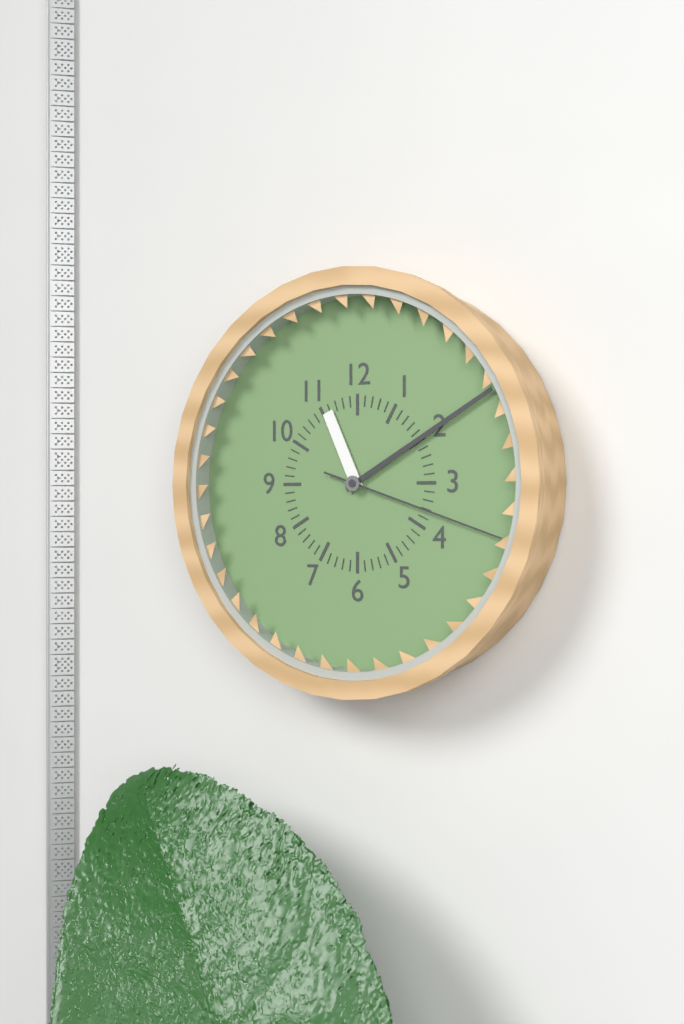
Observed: 11.10.18
